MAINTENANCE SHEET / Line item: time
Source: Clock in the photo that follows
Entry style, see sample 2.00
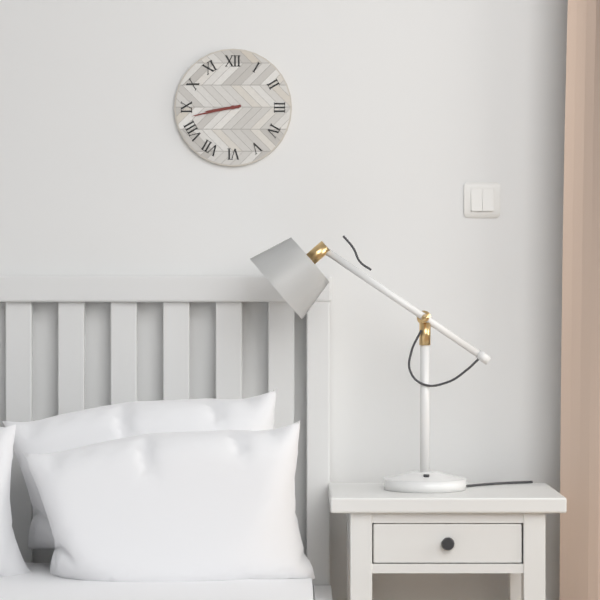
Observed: 8.43
